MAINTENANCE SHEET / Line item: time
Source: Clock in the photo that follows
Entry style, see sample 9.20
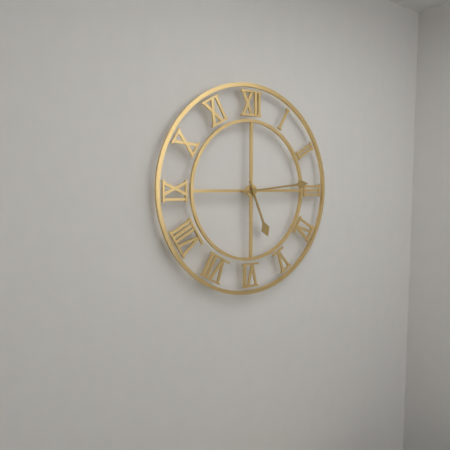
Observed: 5.14
